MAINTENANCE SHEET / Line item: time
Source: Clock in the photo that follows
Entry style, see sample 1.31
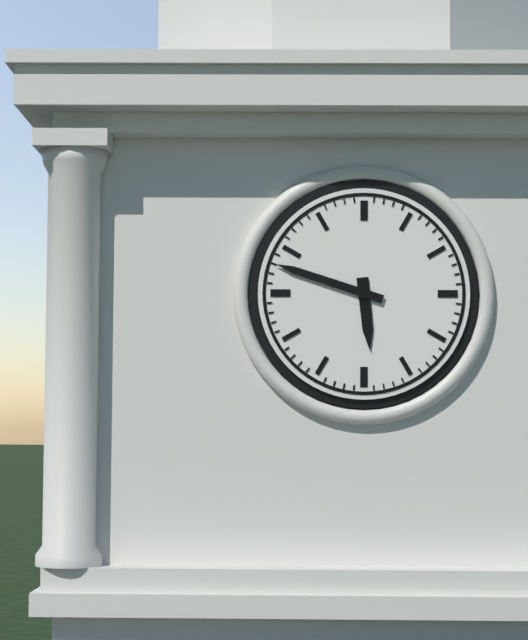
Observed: 5.48
